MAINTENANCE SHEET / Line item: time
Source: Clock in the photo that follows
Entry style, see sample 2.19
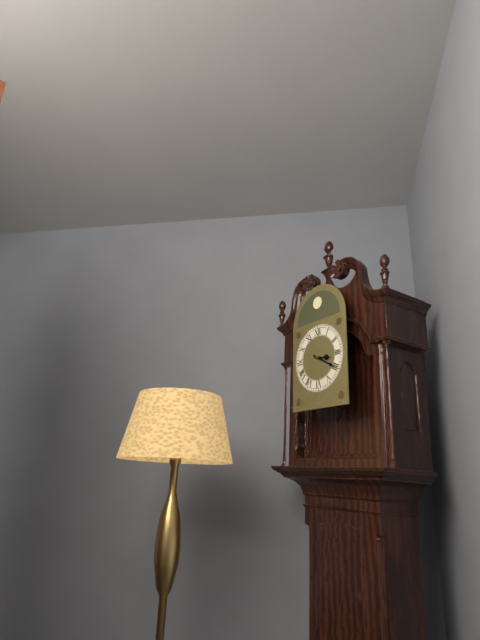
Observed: 3.20
